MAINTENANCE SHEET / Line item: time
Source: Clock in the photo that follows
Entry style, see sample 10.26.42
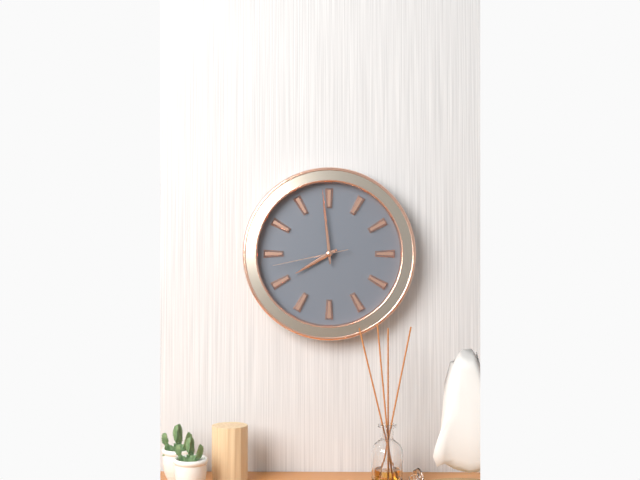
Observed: 7.59.43
